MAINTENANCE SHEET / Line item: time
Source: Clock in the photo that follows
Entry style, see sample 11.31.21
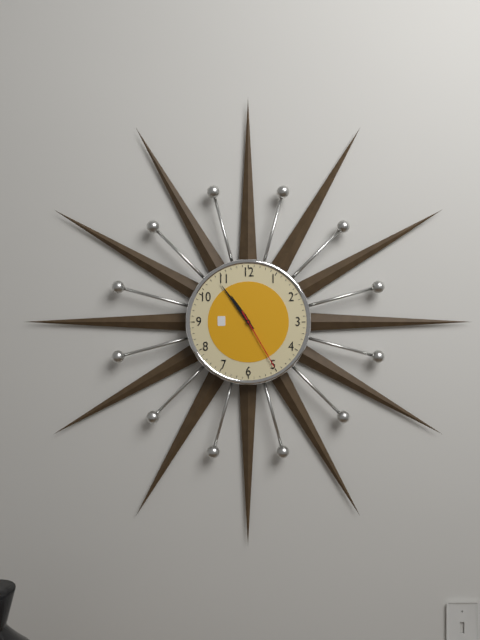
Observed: 10.54.25
